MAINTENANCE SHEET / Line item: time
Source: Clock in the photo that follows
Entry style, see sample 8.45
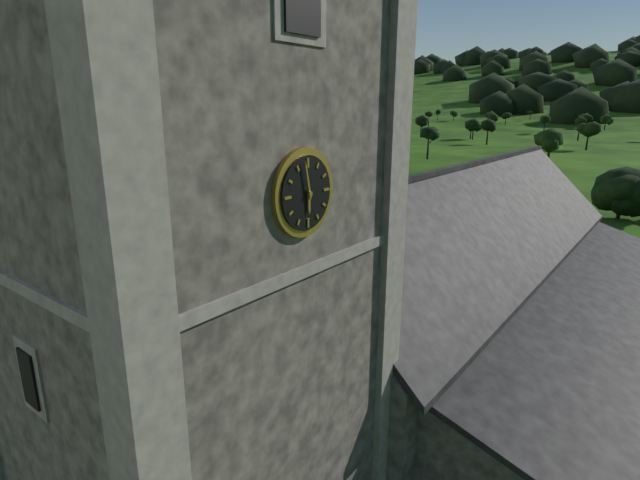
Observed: 5.58
